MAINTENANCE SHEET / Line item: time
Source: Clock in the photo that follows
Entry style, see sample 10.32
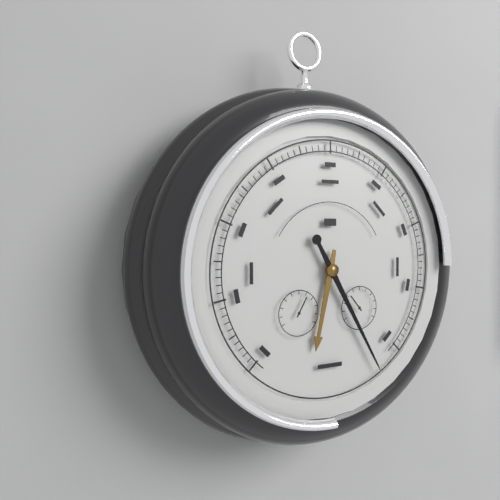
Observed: 6.25
